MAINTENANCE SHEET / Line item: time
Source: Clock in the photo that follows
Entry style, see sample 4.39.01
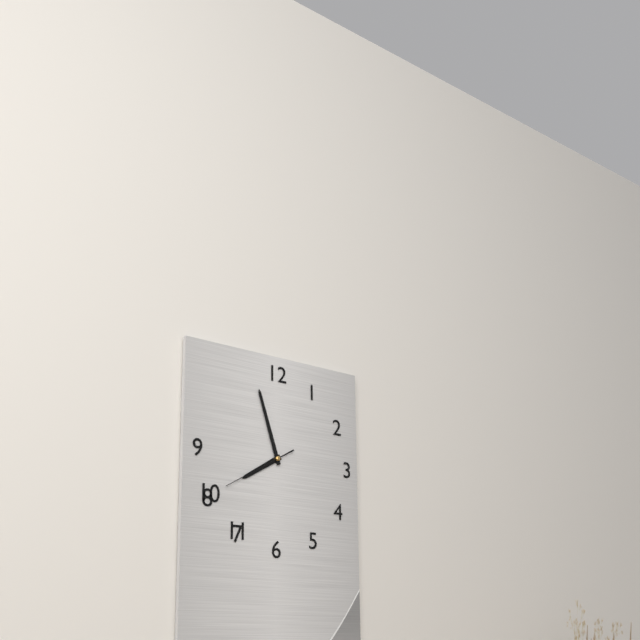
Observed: 7.57.40
